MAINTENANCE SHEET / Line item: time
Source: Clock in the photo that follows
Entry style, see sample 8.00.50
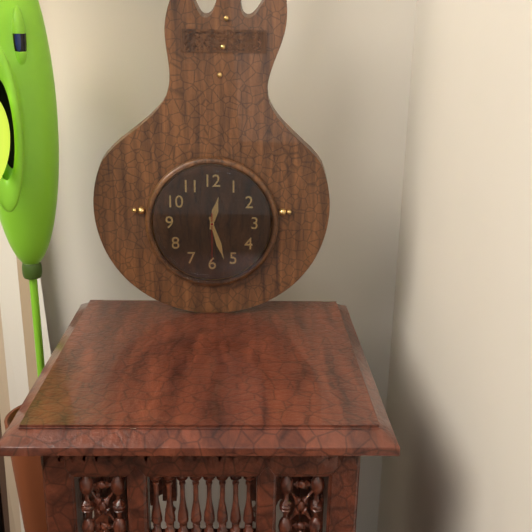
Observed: 12.27.30
